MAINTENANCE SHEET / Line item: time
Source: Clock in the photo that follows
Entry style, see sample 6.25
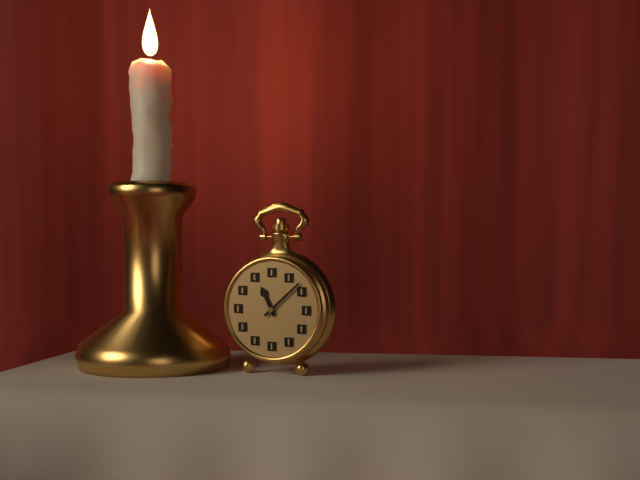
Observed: 11.08
